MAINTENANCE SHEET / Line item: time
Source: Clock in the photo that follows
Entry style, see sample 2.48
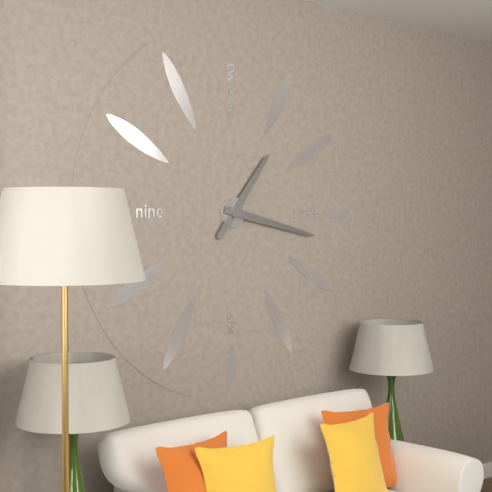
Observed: 1.17
